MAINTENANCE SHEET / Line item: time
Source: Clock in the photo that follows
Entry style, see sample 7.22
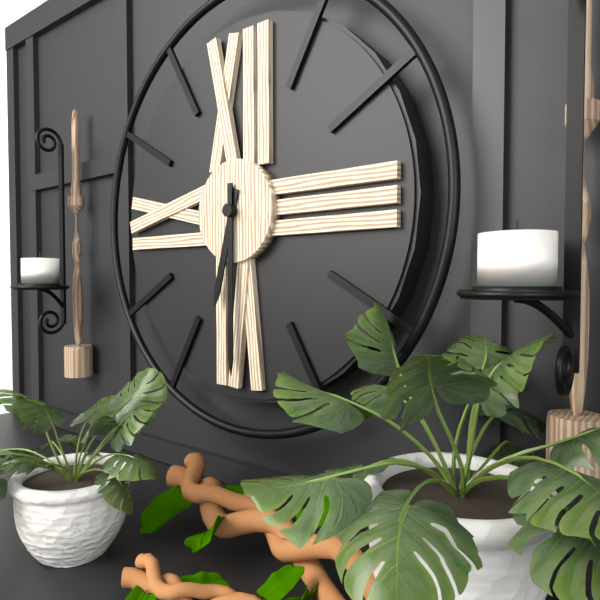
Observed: 6.30
